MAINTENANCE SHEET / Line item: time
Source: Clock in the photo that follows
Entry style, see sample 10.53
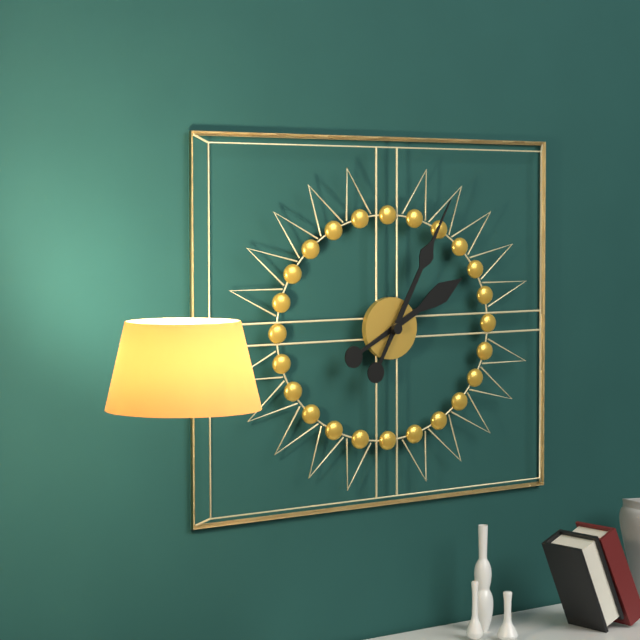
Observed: 2.05
